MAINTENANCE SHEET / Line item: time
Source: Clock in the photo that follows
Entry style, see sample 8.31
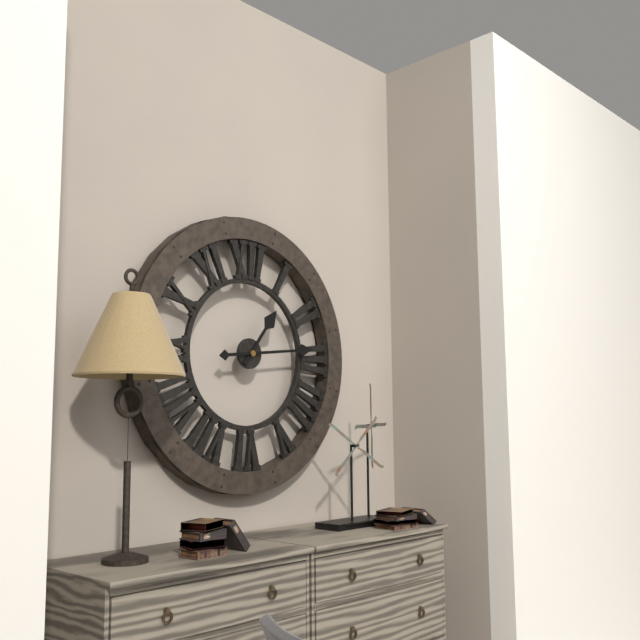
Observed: 1.14
